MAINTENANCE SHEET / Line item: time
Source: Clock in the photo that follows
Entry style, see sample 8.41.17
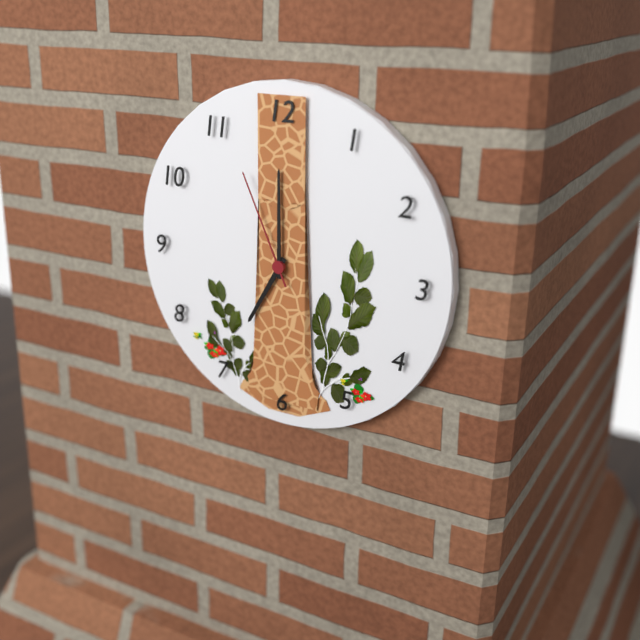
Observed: 7.00.56
